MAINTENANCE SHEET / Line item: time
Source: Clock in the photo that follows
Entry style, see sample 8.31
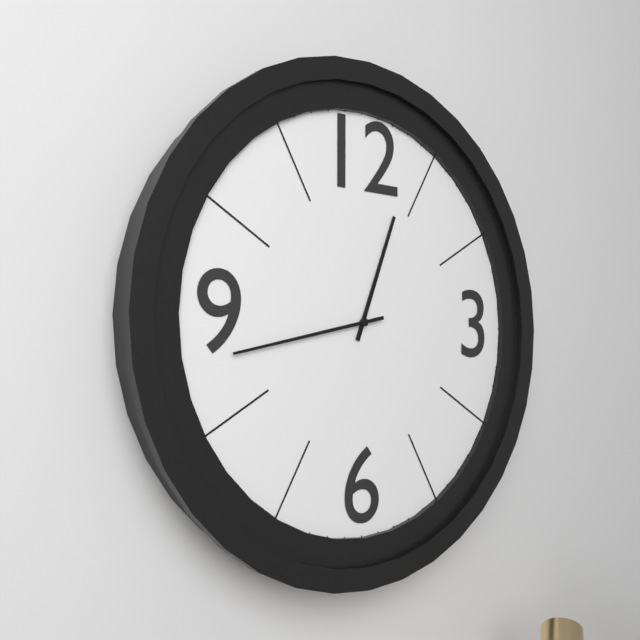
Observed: 12.43
